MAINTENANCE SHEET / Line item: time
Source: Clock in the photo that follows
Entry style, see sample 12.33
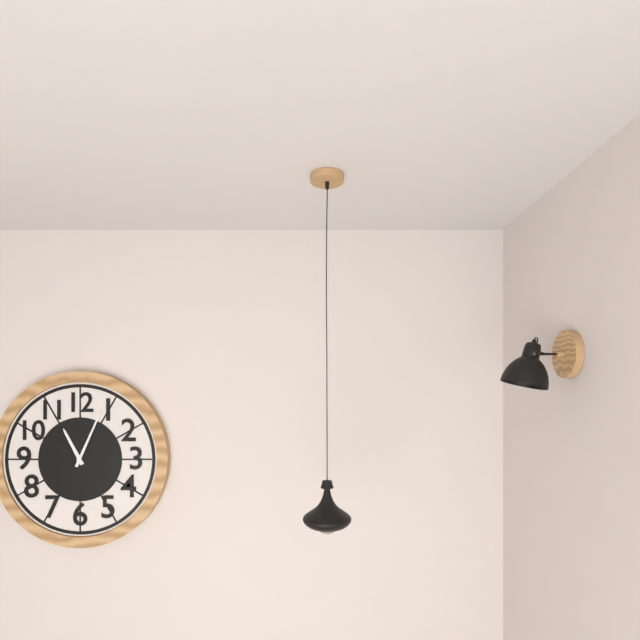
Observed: 11.04
